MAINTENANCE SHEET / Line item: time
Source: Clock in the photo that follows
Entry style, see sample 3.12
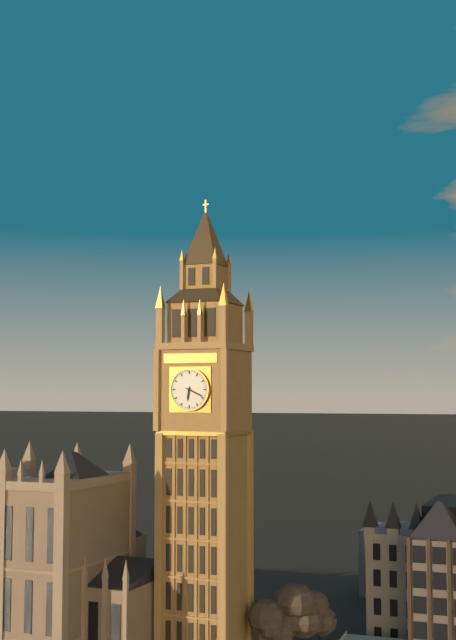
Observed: 6.19
